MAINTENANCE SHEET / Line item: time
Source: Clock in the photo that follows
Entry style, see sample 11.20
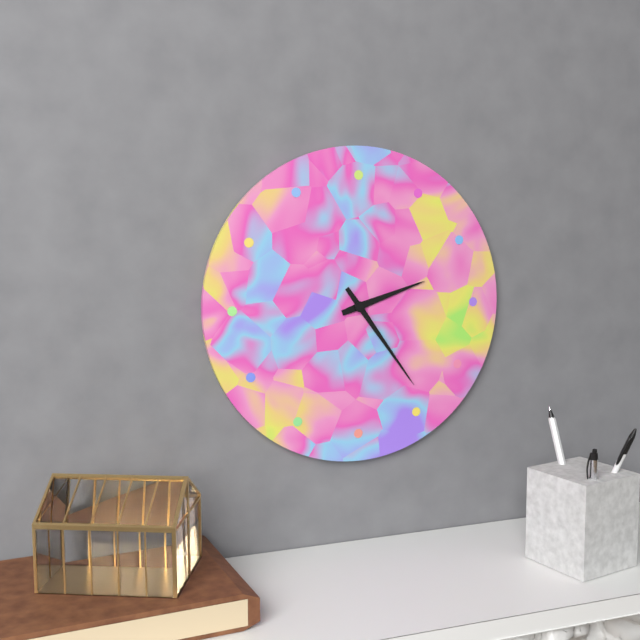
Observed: 2.24
